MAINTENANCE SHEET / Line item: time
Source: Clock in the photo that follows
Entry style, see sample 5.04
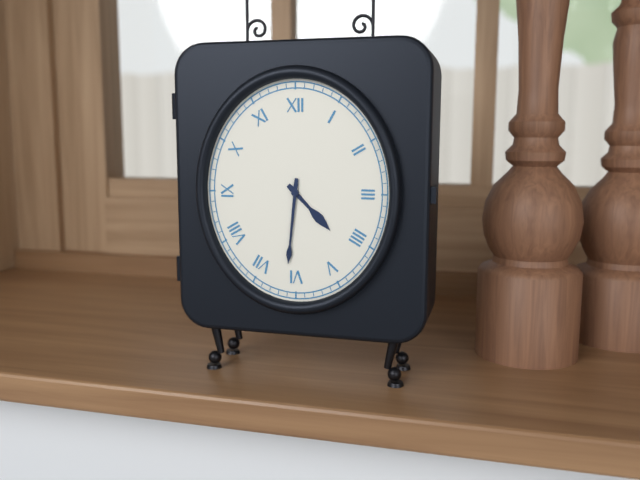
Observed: 4.31
